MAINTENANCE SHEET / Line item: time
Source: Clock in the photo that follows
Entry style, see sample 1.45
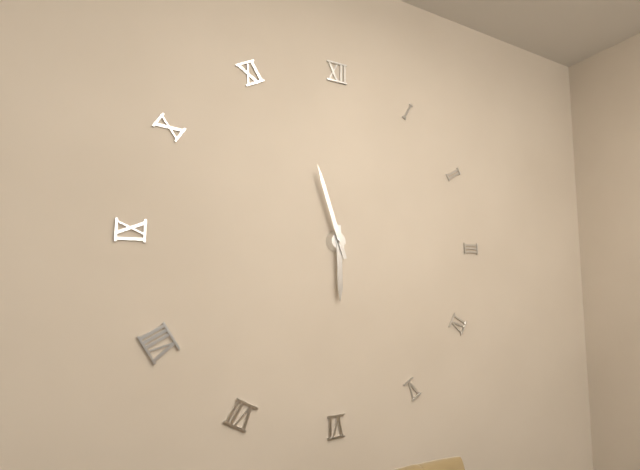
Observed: 5.57
